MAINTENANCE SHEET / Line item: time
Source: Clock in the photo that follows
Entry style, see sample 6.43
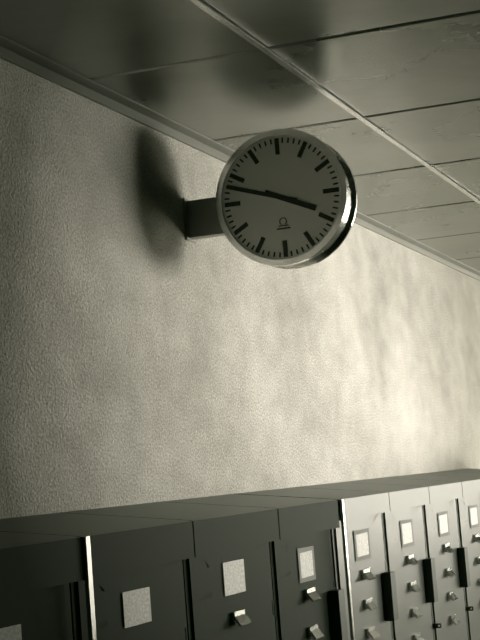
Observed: 3.48
